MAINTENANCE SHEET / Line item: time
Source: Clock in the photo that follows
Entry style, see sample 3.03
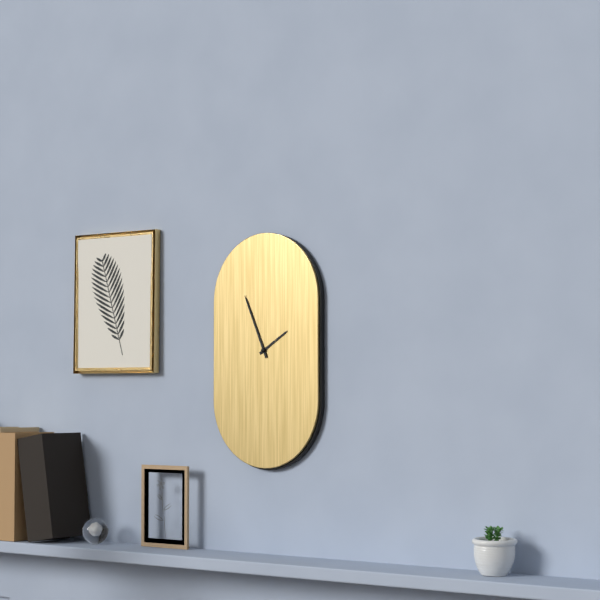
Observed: 1.56
